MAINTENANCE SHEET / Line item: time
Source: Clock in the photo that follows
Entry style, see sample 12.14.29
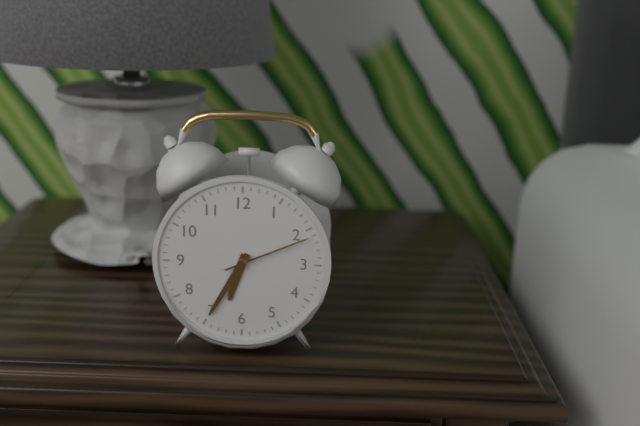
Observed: 6.35.11
